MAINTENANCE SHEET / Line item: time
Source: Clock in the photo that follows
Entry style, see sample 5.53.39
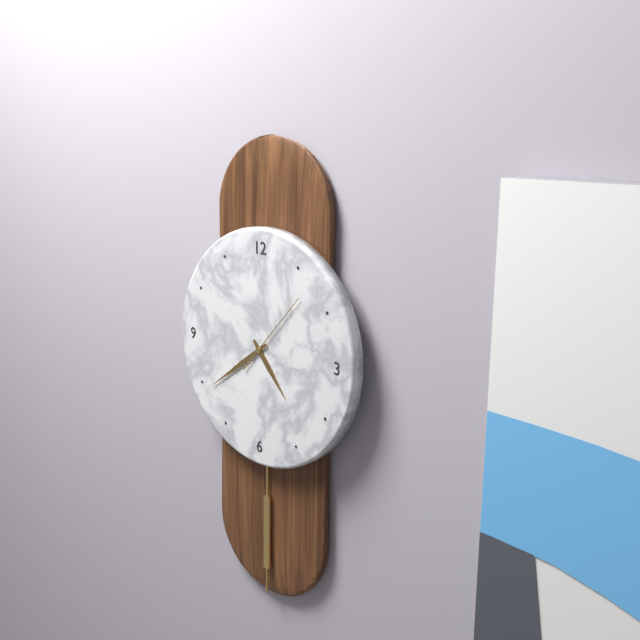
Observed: 4.39.07
